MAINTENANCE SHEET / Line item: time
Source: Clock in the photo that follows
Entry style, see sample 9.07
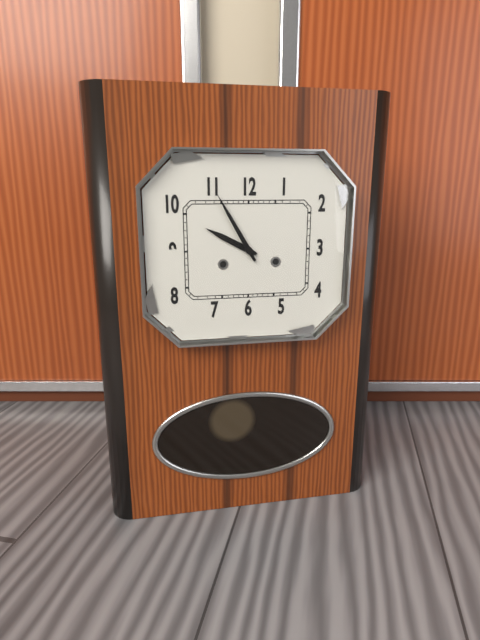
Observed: 9.55
